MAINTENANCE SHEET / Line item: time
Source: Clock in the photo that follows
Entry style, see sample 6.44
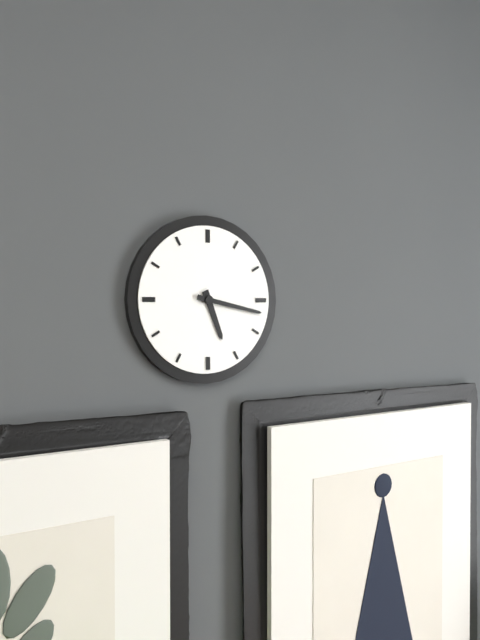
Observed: 5.17
